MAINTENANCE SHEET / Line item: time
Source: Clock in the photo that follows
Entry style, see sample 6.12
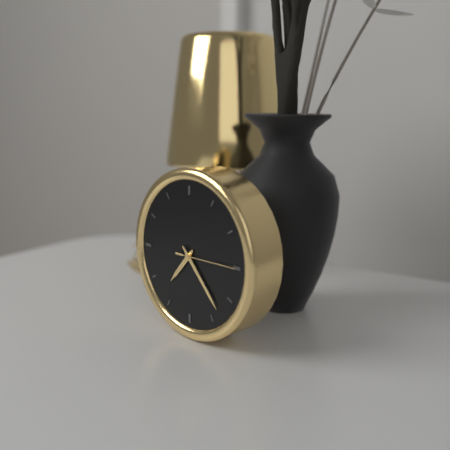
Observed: 7.23
